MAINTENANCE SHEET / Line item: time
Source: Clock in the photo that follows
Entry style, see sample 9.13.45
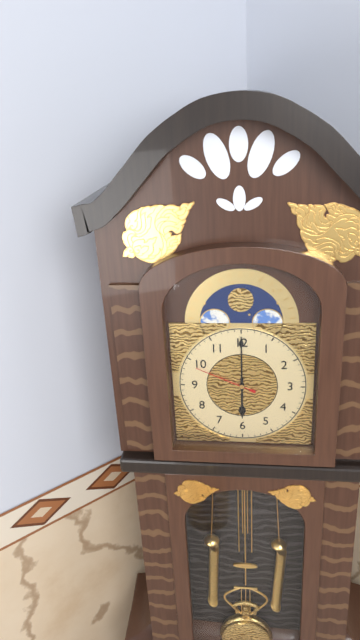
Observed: 6.00.49
